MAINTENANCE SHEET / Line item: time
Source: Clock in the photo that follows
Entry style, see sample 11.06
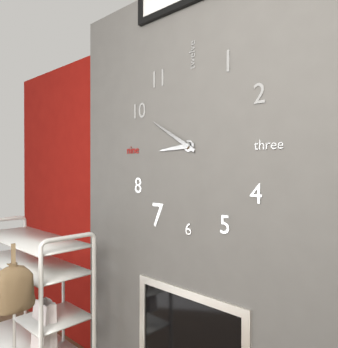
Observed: 8.50
